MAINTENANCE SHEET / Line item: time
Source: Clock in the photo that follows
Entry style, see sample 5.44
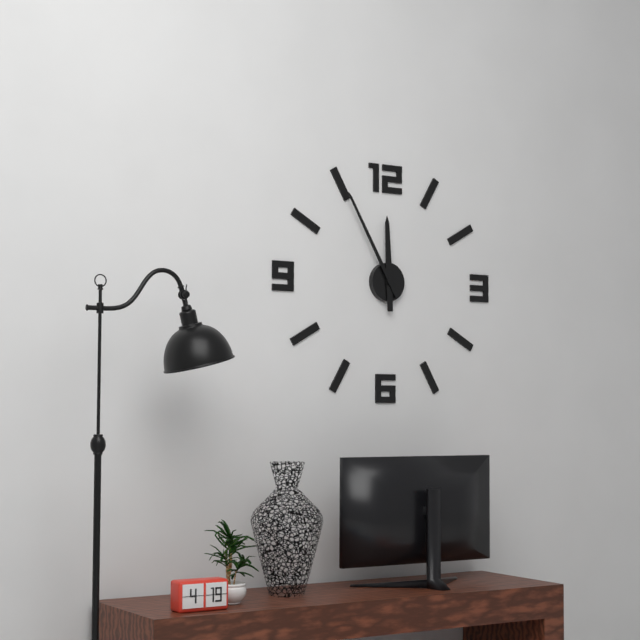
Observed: 11.55
